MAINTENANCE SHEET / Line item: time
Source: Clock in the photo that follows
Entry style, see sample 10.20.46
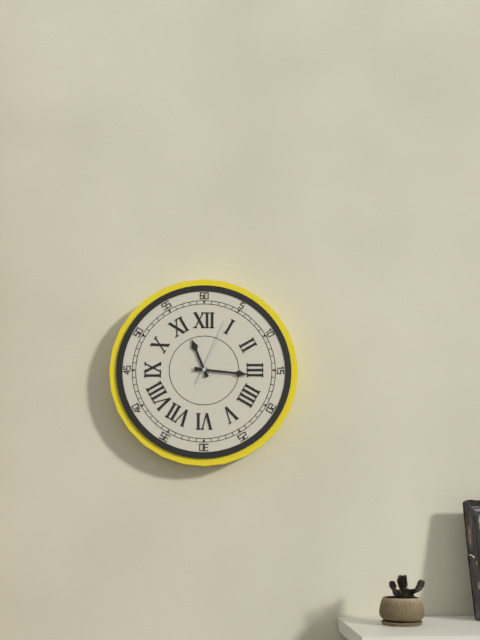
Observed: 11.16.04
